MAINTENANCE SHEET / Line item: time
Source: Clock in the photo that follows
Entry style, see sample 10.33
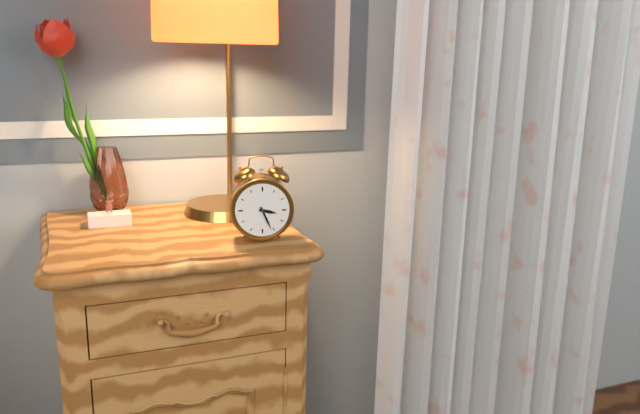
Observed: 3.26
